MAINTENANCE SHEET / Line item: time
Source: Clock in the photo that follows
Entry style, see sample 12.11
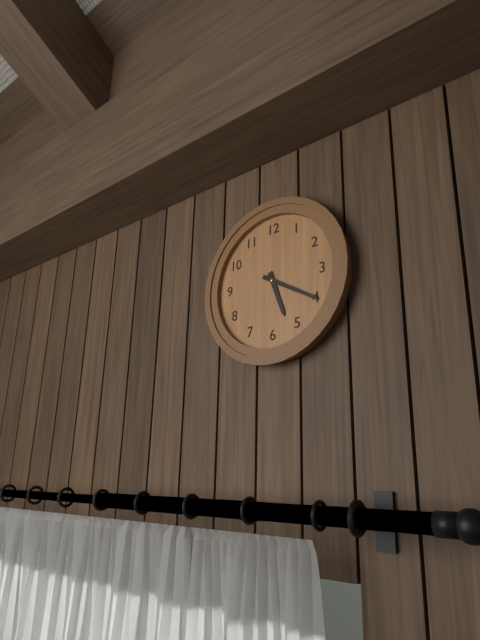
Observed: 5.20
